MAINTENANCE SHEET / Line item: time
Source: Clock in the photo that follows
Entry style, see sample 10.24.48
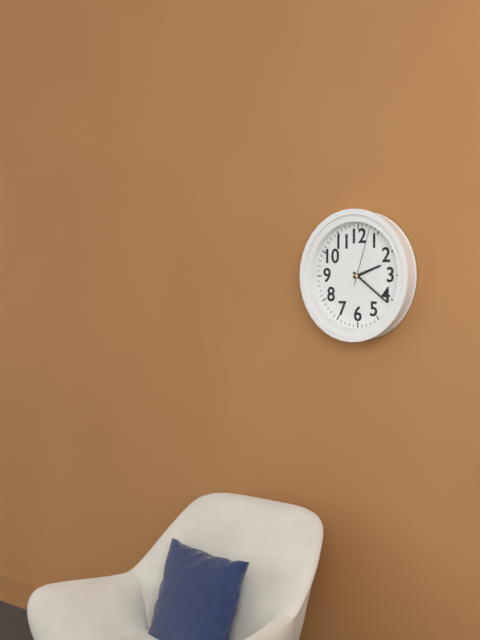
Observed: 2.21.03
